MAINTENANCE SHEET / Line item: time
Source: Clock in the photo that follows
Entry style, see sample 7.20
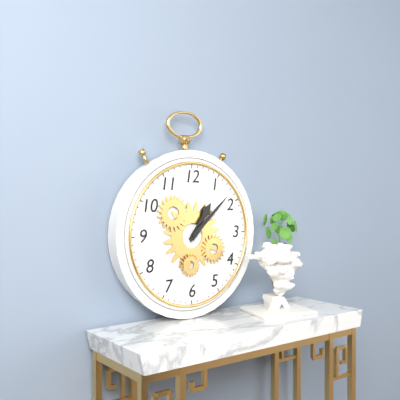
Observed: 1.08
